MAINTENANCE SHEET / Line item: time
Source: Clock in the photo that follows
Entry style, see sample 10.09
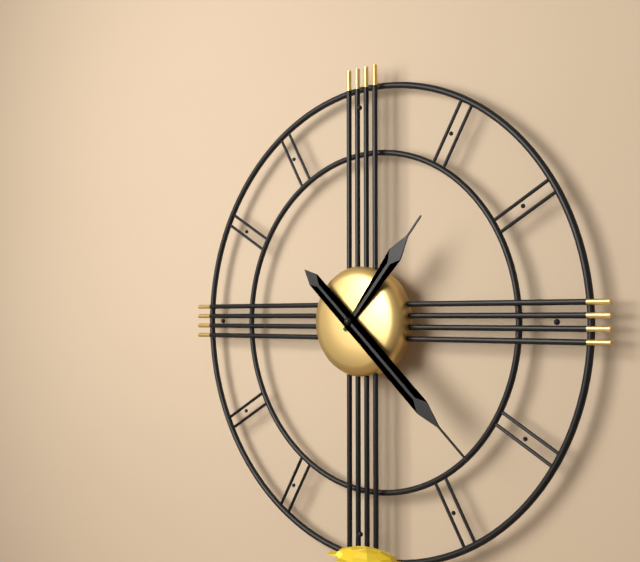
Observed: 1.22
